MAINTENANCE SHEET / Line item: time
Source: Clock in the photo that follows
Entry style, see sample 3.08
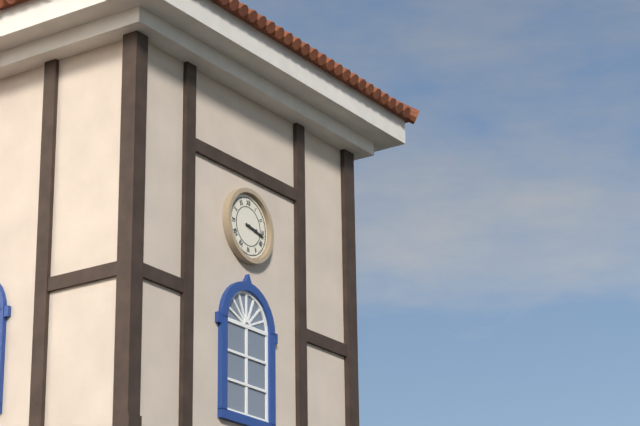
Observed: 3.17
